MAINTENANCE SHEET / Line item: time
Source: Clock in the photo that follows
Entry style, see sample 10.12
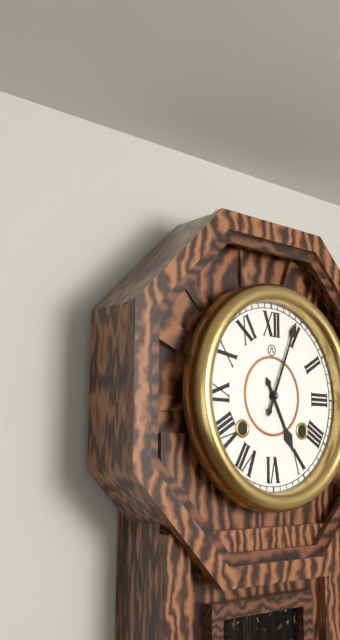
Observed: 5.04
